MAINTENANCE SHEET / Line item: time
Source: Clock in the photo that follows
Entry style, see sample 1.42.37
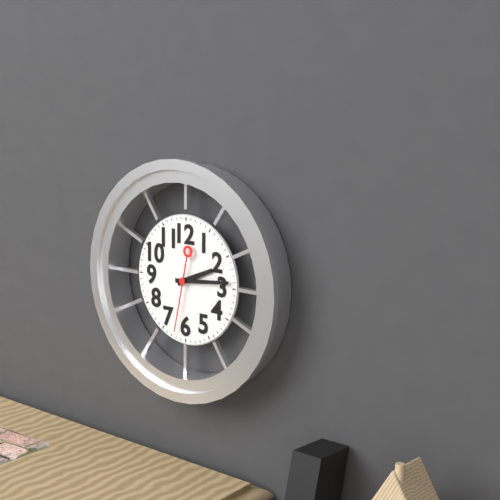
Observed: 2.14.32
